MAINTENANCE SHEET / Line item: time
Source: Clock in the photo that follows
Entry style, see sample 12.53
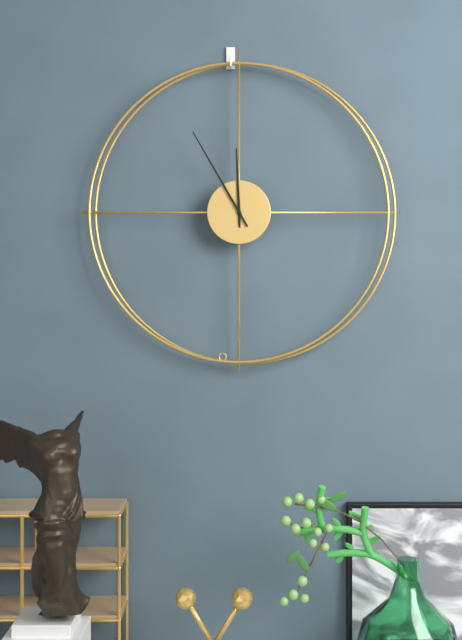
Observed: 11.55
